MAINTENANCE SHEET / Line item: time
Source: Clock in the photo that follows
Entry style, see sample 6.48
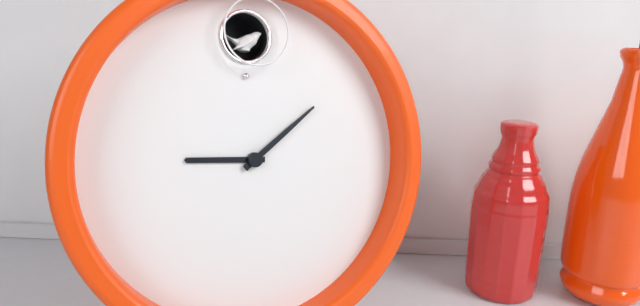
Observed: 9.09
